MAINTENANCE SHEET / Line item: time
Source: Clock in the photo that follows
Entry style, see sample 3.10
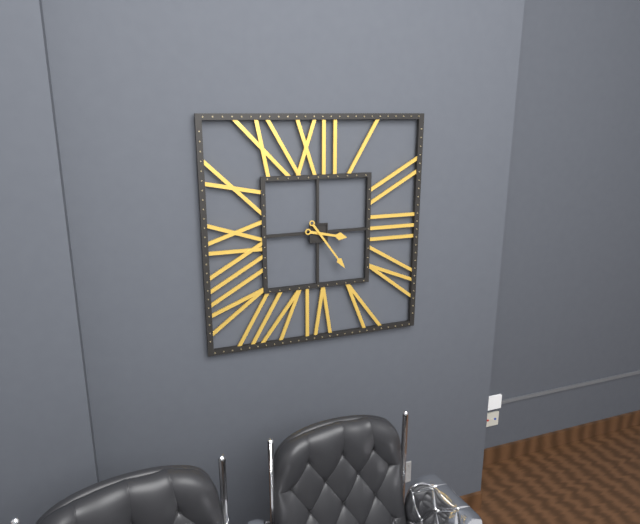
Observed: 3.24
